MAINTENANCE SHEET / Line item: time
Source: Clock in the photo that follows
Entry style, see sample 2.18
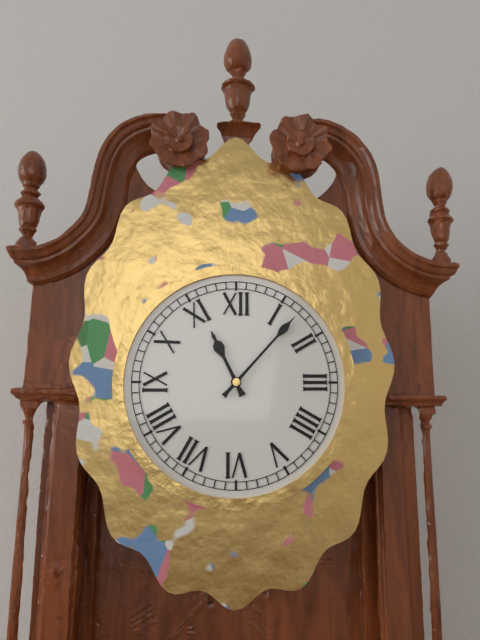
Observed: 11.07
